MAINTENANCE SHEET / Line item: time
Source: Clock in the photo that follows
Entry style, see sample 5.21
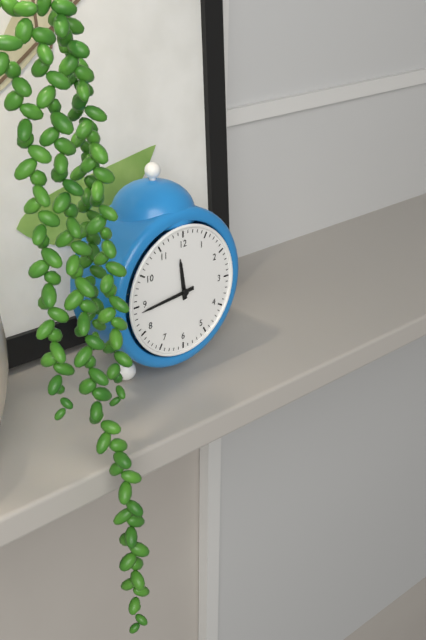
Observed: 11.44
